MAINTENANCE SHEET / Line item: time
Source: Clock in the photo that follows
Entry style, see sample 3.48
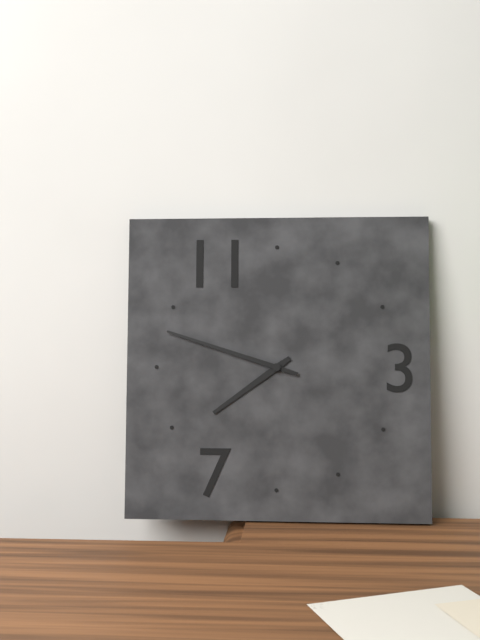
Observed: 7.48
